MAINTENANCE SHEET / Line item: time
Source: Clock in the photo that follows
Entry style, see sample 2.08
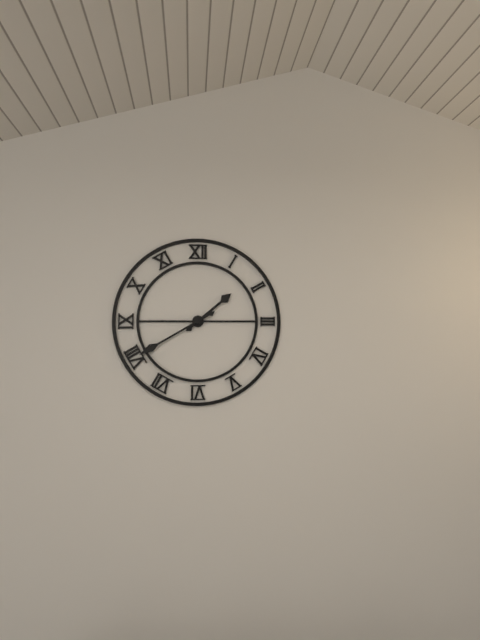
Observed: 1.40
